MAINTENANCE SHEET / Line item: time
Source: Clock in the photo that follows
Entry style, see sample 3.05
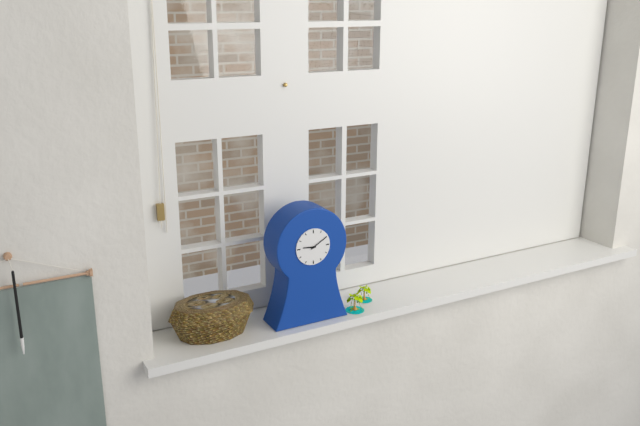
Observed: 9.10
